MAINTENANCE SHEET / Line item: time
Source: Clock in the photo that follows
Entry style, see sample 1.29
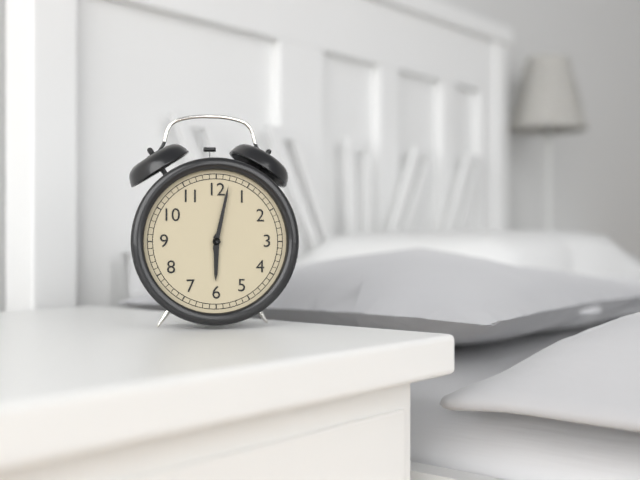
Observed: 6.02
